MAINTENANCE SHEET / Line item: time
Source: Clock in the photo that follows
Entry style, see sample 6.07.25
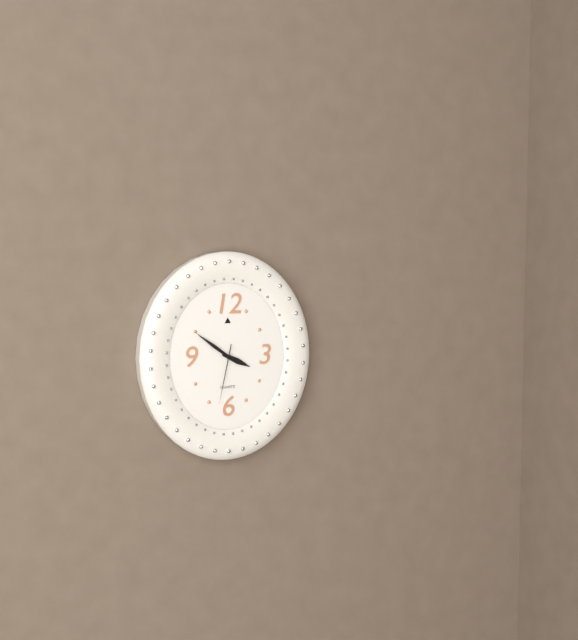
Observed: 3.51.32
